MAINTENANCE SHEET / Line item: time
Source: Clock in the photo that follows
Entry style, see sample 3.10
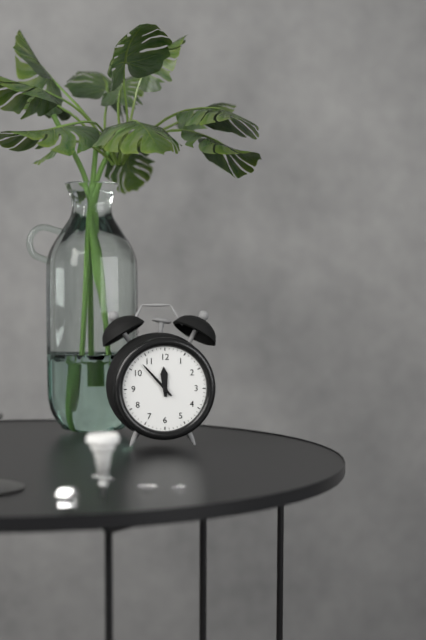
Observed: 11.53
